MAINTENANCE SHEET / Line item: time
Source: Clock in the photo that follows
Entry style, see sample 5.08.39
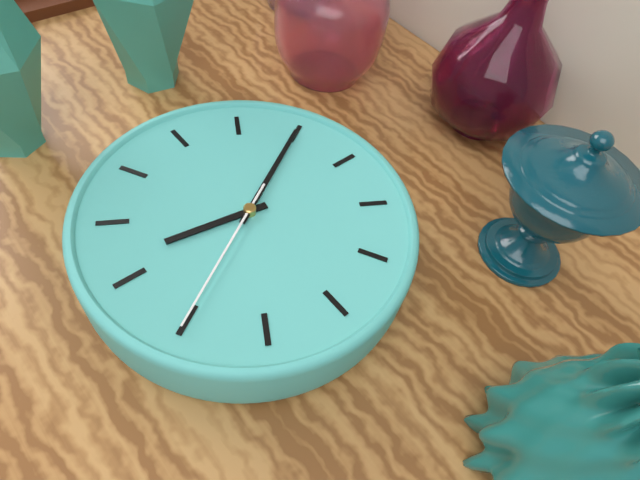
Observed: 11.20.50
